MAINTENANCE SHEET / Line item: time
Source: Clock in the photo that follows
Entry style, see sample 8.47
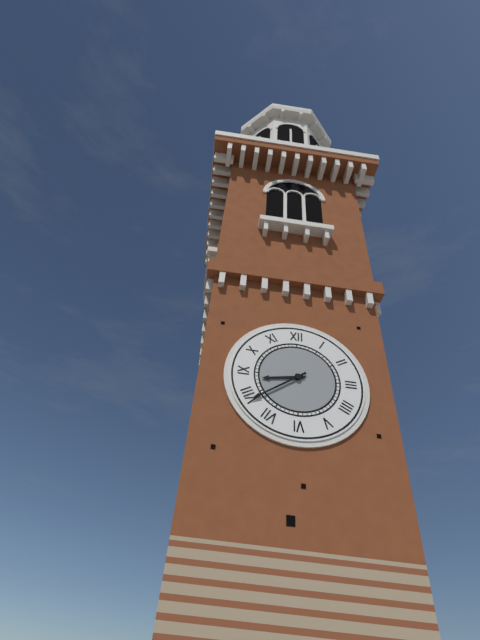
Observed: 8.39
